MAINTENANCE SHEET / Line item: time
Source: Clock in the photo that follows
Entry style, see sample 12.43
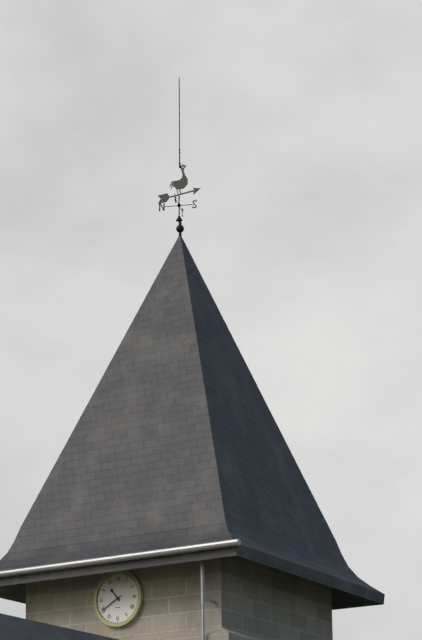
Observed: 10.40
